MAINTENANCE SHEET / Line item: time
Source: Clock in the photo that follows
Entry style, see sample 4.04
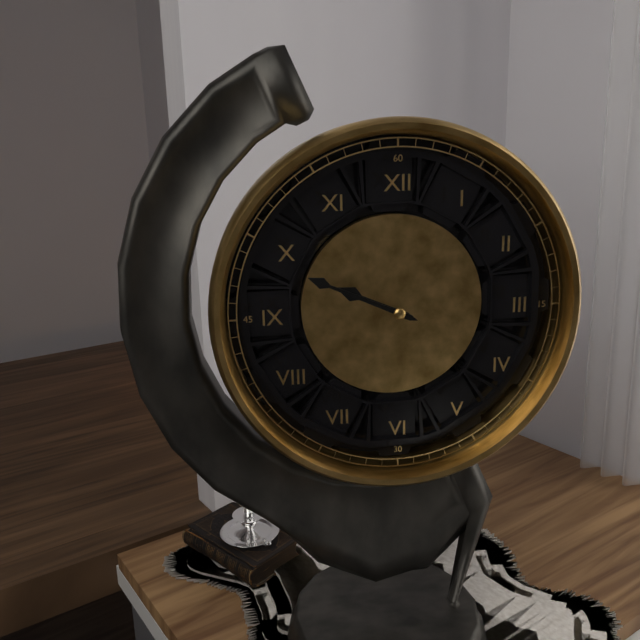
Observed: 9.49
